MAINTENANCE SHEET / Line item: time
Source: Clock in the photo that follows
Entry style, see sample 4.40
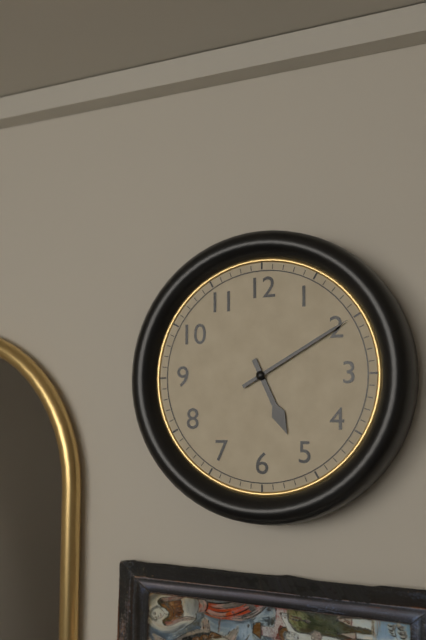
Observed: 5.10
